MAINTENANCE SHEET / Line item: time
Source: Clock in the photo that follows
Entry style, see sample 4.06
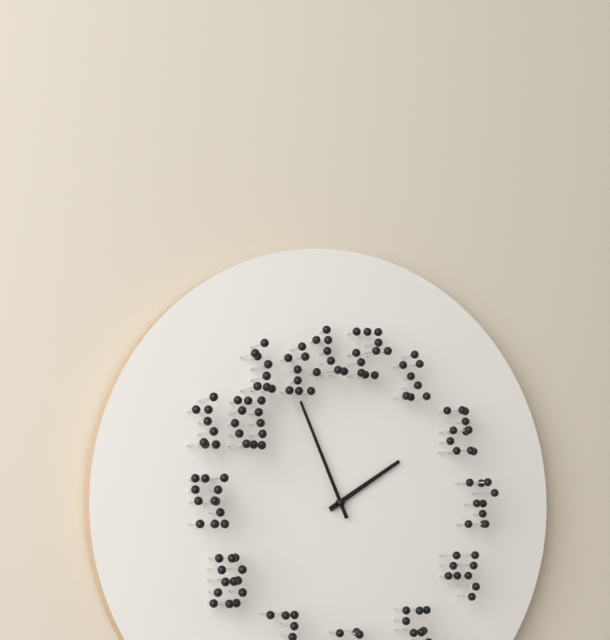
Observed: 1.56
